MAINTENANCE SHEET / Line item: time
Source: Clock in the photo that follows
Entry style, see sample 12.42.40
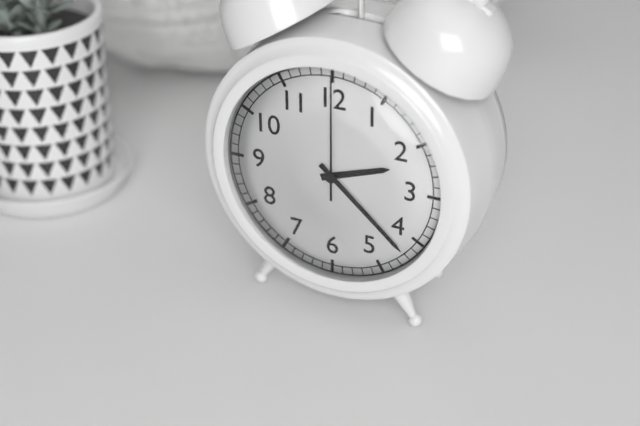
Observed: 2.22.00
